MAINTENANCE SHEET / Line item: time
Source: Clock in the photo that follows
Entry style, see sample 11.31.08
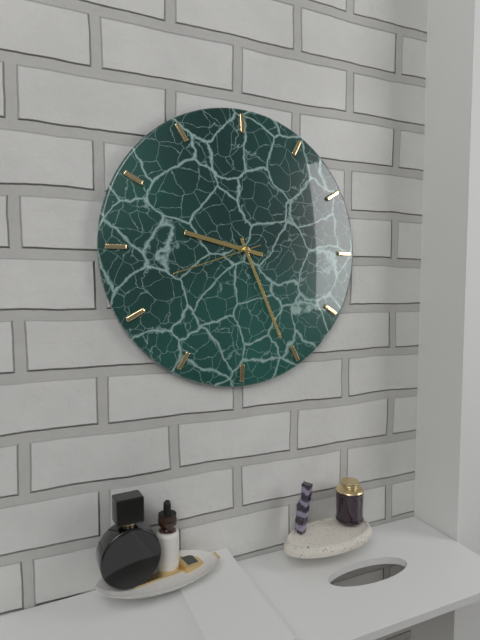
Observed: 9.26.42
